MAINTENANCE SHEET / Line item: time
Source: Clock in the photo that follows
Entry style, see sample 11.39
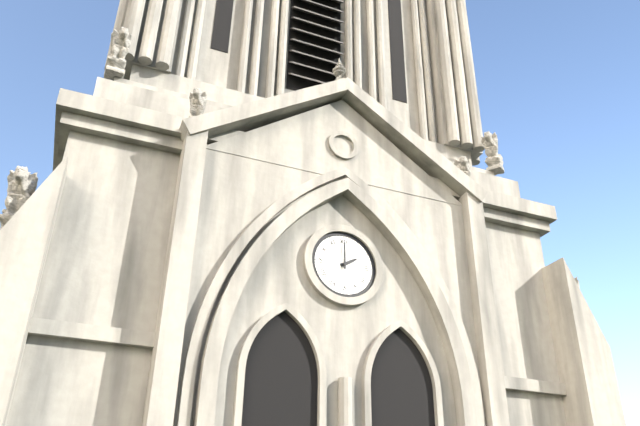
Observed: 2.00
